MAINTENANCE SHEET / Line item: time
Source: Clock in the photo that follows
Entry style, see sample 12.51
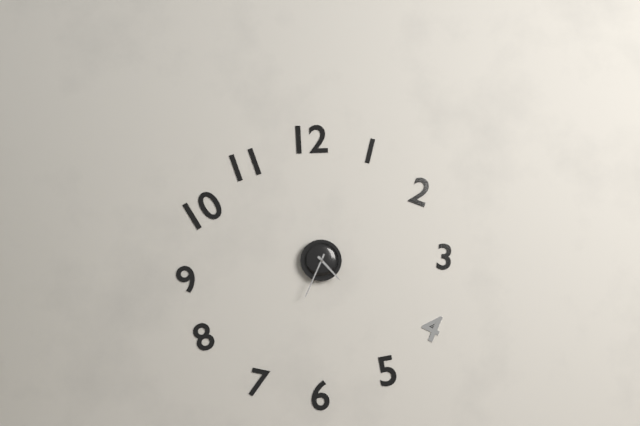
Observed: 4.34
